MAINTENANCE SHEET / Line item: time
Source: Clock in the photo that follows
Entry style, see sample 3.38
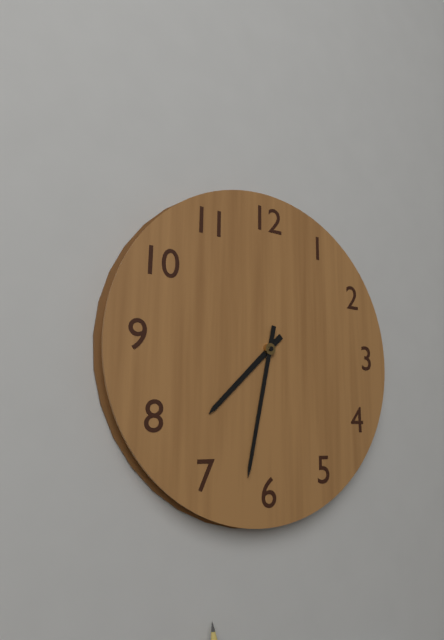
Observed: 7.32
